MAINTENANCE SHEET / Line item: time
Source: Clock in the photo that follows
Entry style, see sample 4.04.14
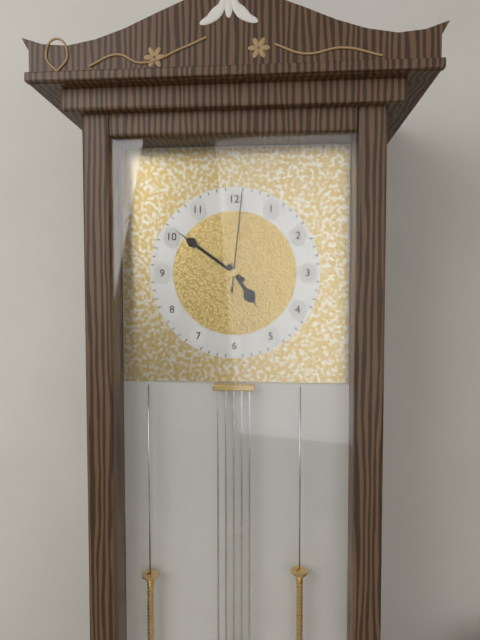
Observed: 4.51.01
